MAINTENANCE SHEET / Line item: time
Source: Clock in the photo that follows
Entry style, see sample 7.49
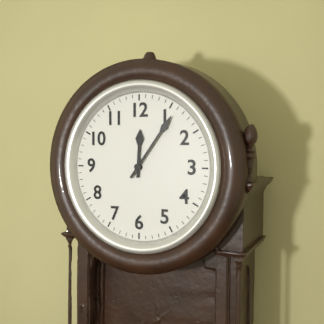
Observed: 12.06
